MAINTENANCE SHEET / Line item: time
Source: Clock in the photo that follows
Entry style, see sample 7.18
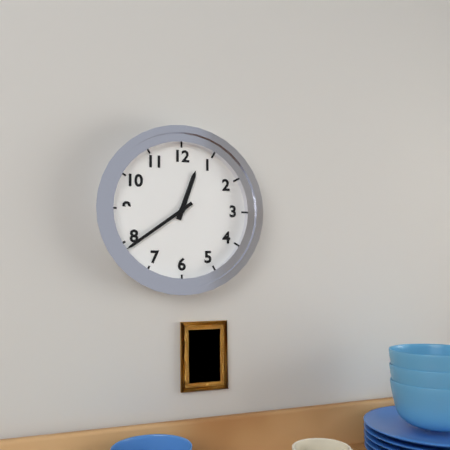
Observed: 12.39
